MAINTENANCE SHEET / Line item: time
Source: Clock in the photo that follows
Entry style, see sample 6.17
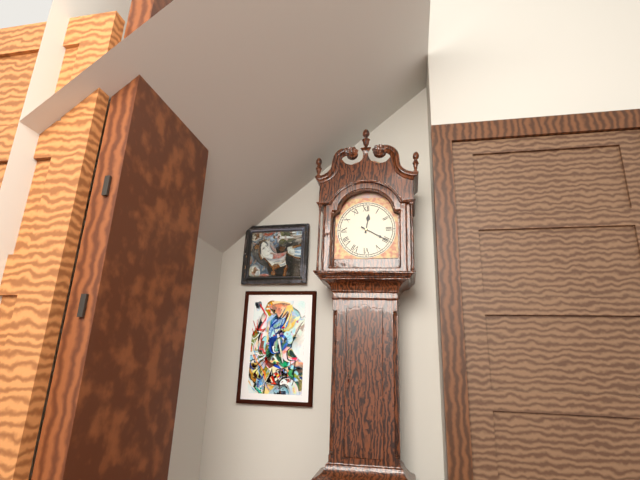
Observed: 12.20
